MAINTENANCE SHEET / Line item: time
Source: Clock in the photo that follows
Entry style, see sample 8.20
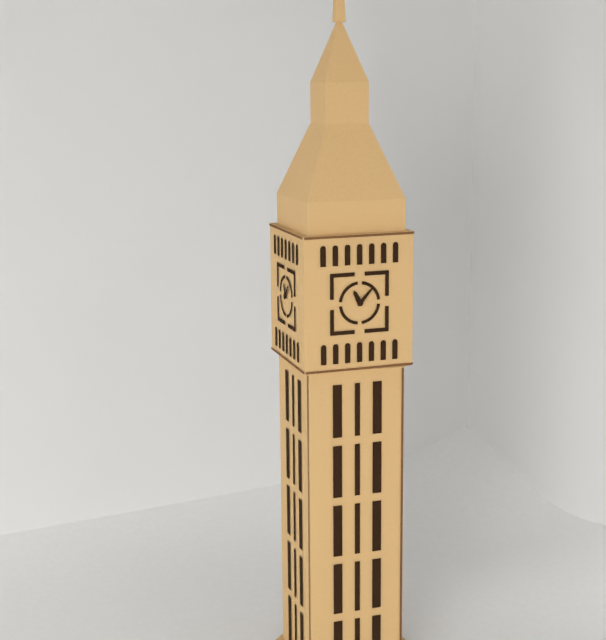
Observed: 11.07
